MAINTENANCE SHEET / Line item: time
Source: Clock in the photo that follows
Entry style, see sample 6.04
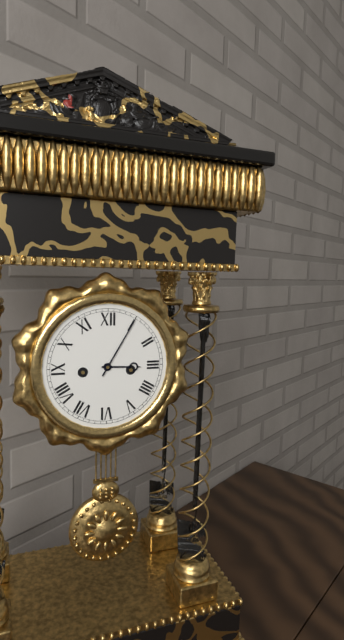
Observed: 3.05
